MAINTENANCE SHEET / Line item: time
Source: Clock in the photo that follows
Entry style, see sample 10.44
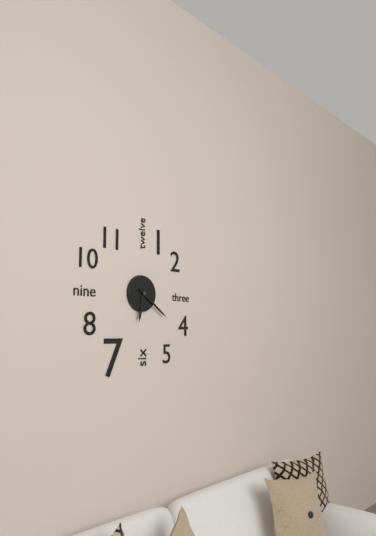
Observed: 6.21
